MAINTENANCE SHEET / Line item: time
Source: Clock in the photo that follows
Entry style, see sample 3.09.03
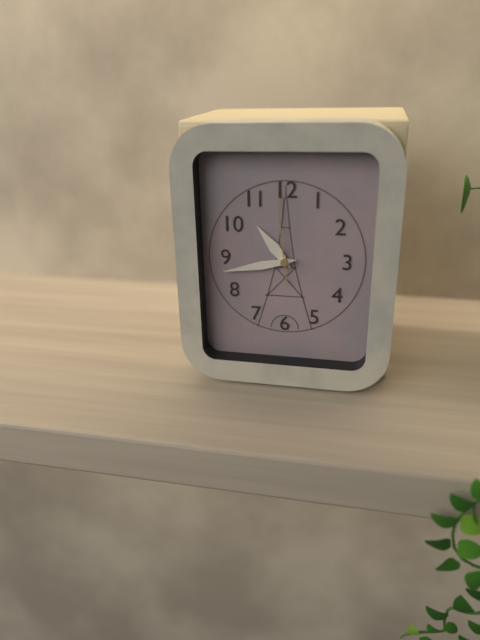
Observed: 10.43.59
